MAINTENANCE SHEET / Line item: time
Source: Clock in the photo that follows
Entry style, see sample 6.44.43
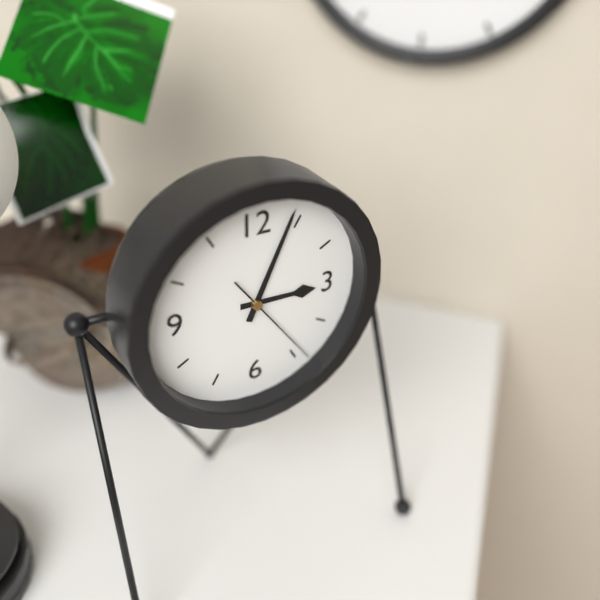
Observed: 3.04.24
